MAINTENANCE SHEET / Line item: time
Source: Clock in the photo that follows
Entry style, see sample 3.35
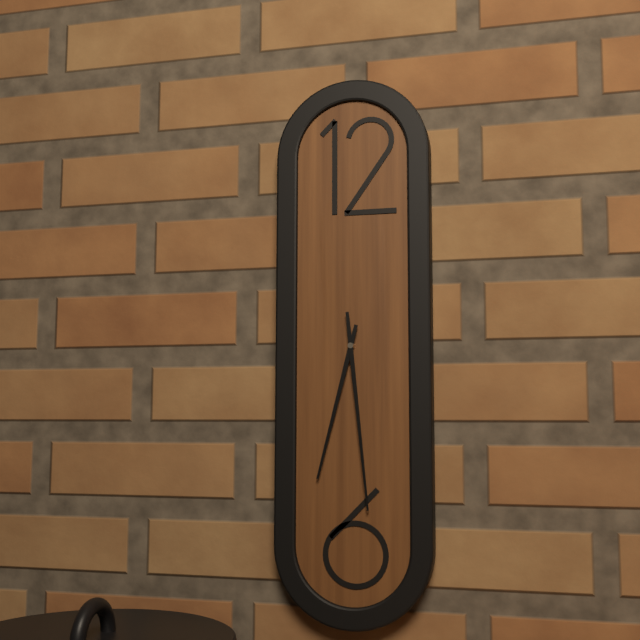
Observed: 6.29
